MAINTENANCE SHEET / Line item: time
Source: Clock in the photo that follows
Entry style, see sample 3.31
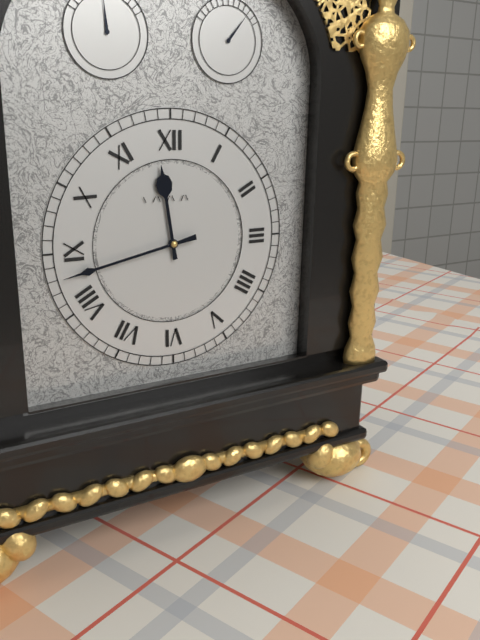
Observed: 11.43
